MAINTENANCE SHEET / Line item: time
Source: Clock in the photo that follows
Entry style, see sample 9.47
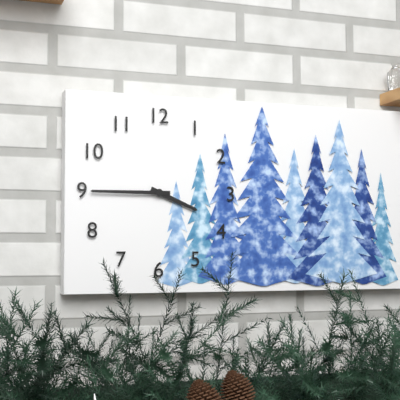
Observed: 3.45
